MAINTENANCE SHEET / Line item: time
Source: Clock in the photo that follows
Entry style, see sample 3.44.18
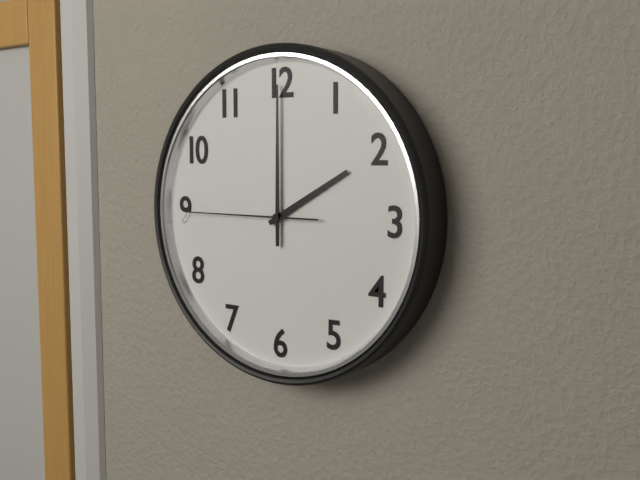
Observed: 2.00.45
